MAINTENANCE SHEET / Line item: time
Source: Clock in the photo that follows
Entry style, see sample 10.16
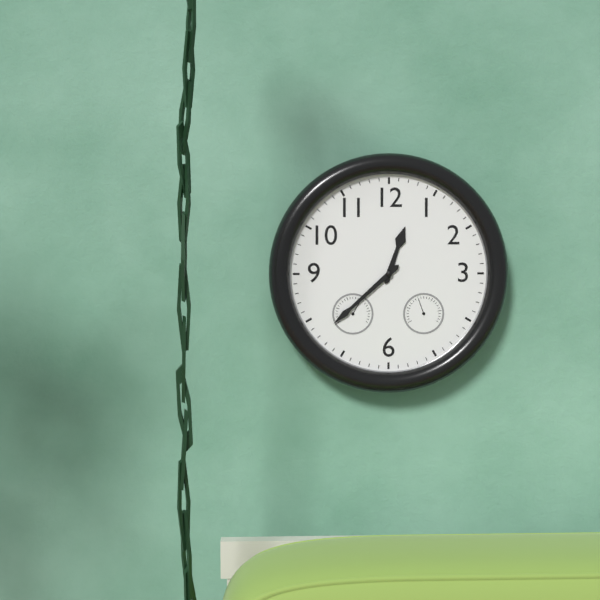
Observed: 12.38
